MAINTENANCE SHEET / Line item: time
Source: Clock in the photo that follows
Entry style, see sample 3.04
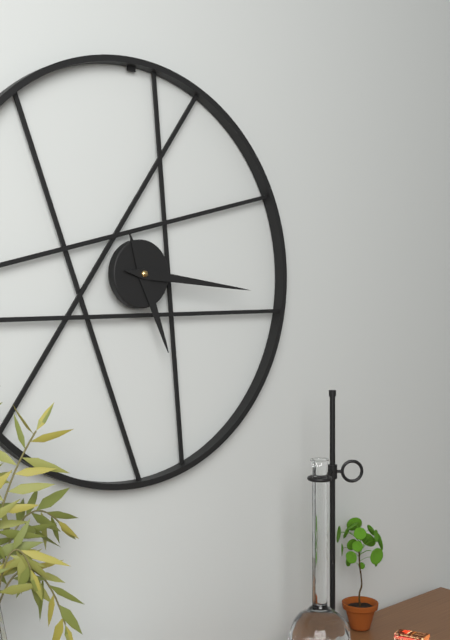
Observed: 5.16
